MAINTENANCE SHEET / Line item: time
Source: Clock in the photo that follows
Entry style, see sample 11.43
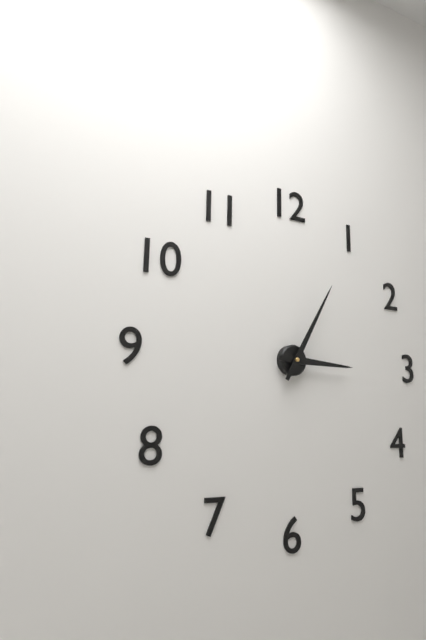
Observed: 3.05
